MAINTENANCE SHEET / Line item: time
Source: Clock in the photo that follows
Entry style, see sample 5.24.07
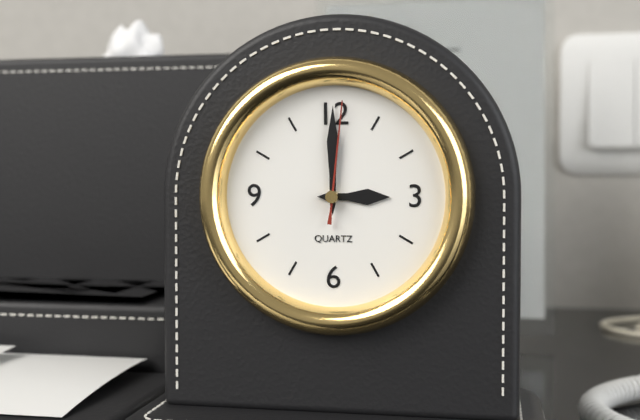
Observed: 3.00.01
